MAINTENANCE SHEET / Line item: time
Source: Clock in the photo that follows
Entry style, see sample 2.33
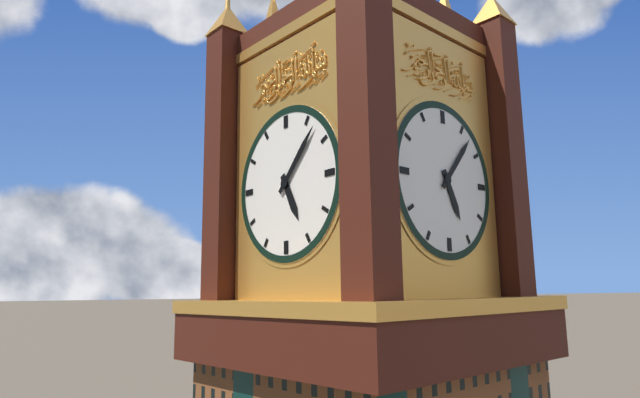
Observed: 5.07
